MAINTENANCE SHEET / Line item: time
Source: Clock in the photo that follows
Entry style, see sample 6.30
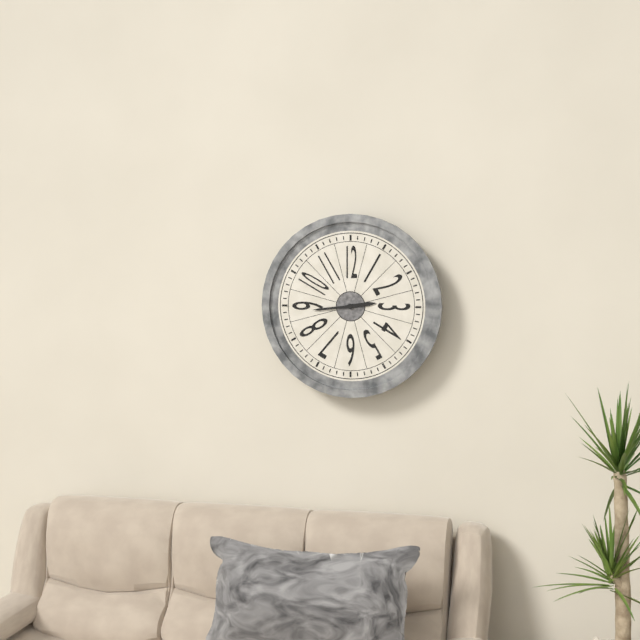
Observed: 2.44
